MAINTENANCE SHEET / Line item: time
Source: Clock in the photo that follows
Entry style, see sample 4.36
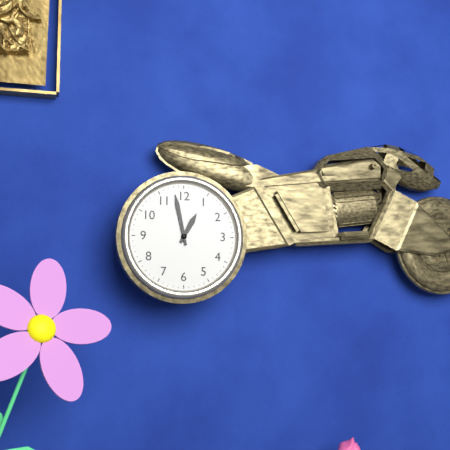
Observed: 12.58
